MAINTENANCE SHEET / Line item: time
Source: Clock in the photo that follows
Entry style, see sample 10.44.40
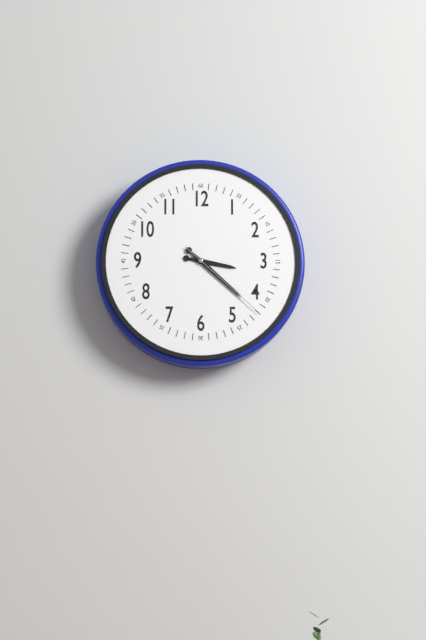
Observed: 3.22.22
